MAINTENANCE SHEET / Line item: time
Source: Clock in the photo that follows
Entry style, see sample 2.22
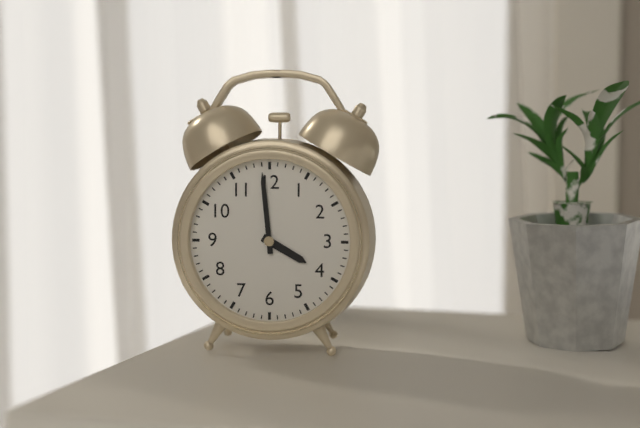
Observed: 3.59
